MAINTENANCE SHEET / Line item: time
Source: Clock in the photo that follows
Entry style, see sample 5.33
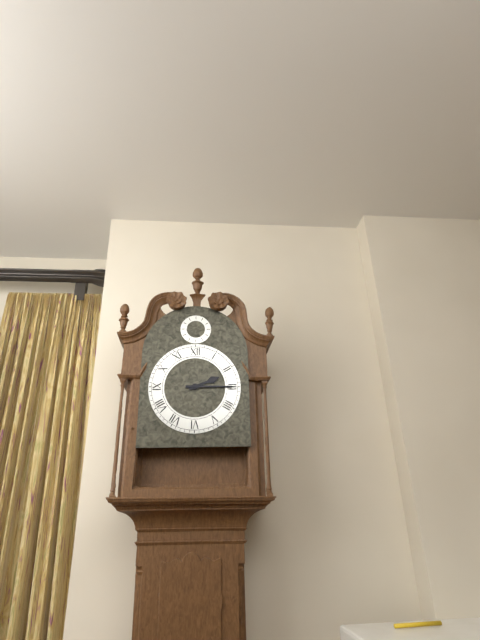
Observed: 2.15
